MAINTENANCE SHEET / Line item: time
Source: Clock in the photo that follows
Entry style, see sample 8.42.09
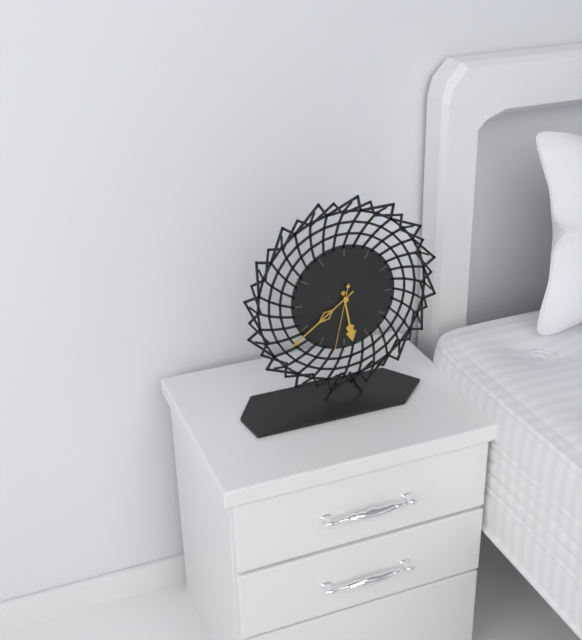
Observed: 5.39.32
